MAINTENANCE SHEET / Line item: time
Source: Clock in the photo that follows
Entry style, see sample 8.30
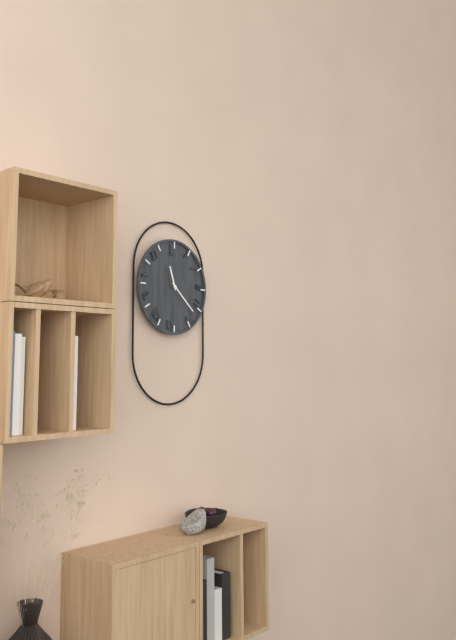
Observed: 11.22
